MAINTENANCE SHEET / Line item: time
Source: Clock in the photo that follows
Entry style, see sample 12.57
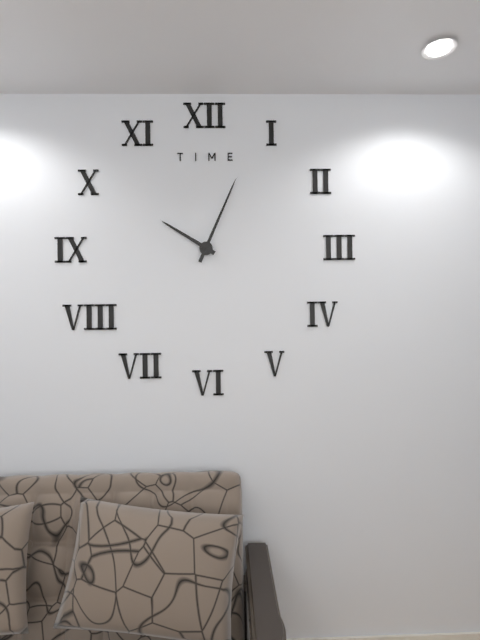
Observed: 10.04
